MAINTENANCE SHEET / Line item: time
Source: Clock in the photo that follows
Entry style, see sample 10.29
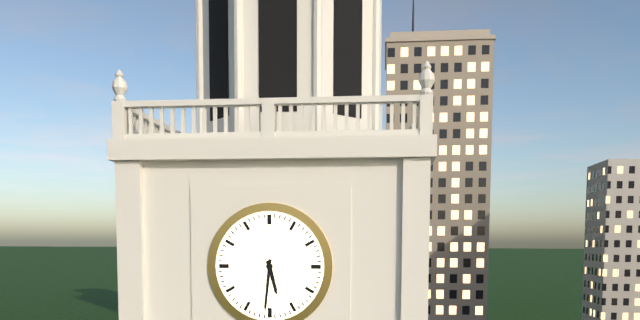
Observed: 5.31
